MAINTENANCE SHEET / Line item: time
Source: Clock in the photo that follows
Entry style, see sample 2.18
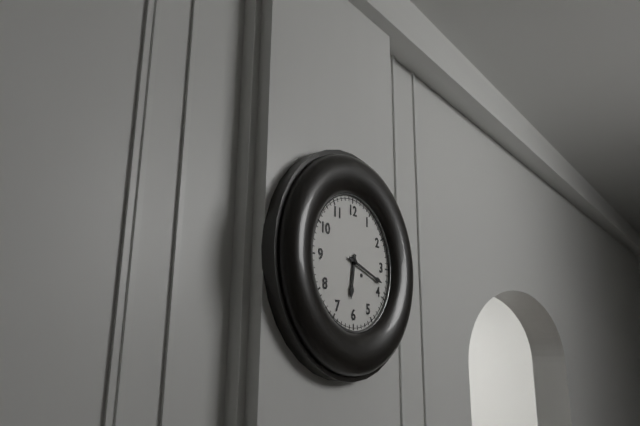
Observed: 6.18
